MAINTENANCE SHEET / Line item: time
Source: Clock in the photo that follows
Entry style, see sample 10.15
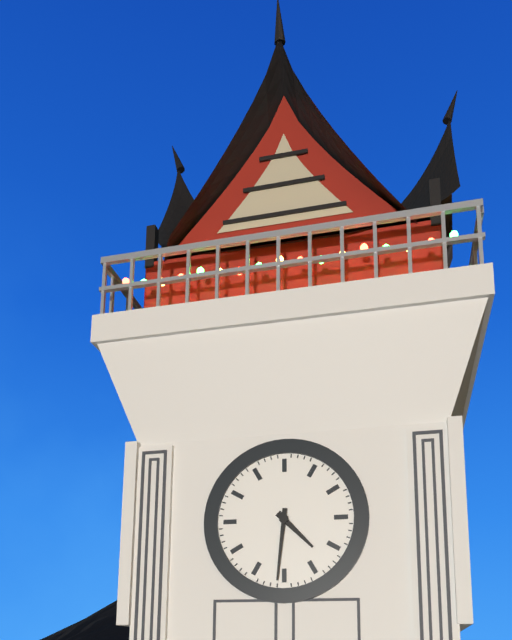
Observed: 4.31
